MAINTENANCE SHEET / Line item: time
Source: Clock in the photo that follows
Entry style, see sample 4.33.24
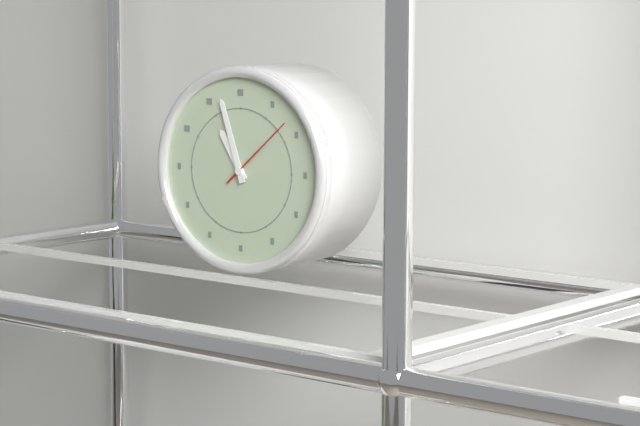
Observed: 10.57.08
